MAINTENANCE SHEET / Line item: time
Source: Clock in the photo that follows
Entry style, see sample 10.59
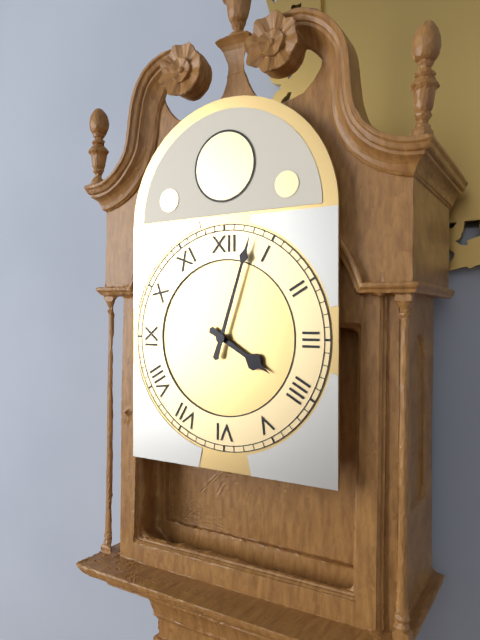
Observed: 4.03
